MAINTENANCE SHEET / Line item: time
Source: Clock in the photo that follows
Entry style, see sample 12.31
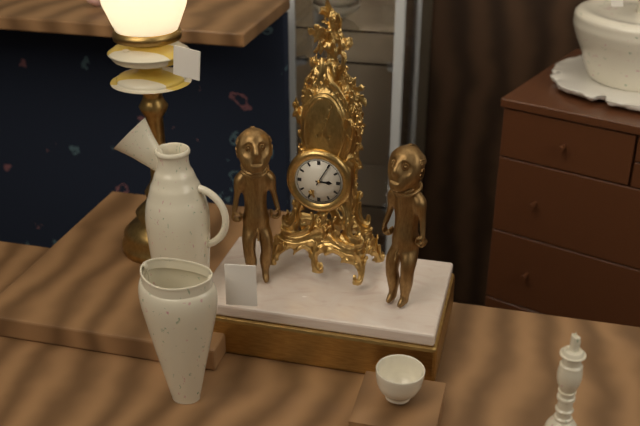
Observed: 3.05
